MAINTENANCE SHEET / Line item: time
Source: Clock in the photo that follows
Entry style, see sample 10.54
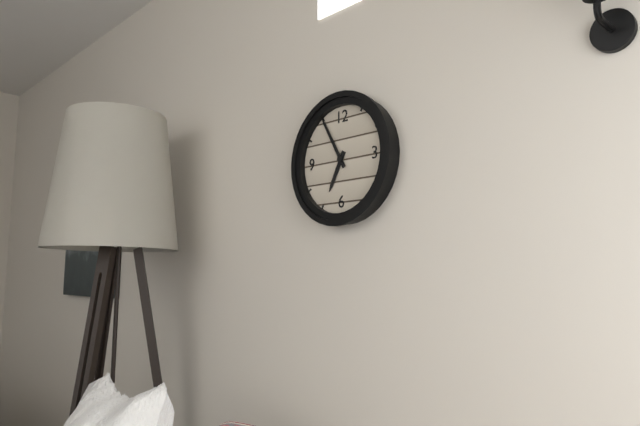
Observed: 6.55
